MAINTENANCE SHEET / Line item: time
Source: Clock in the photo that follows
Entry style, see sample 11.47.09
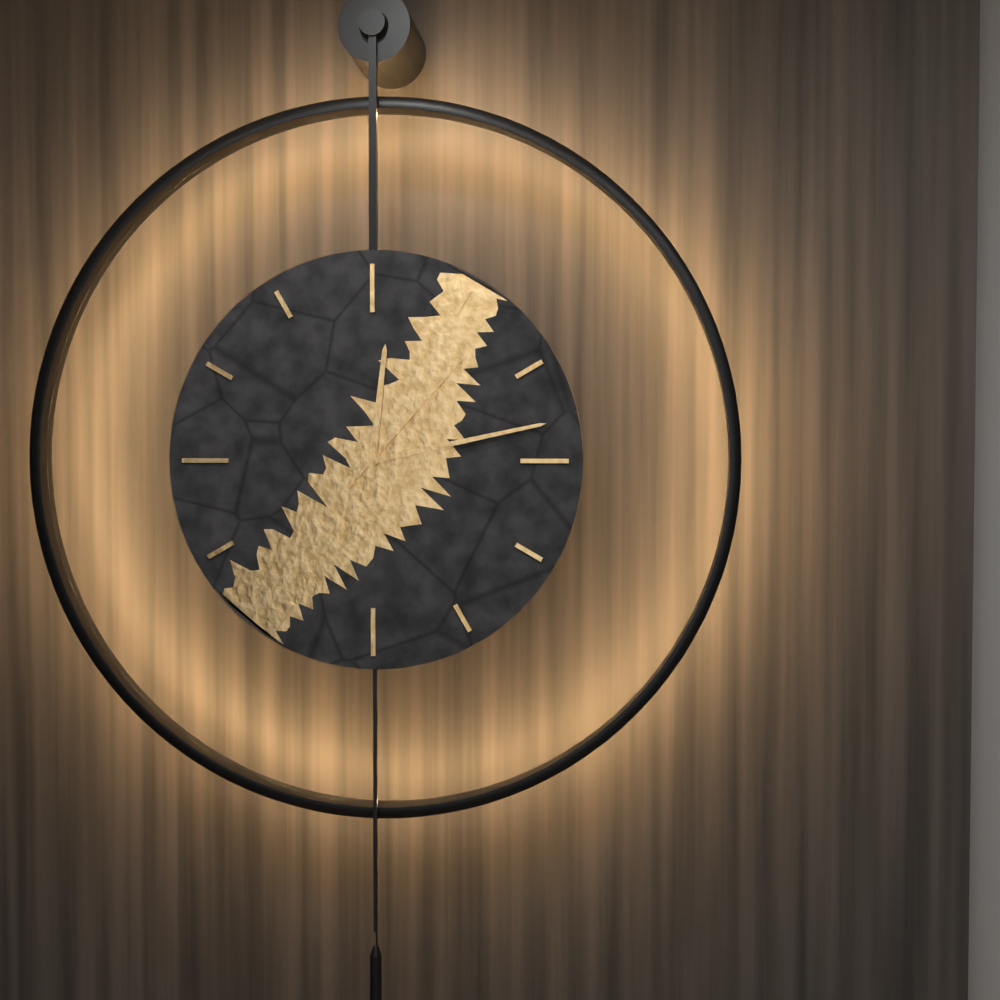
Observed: 12.13.07
